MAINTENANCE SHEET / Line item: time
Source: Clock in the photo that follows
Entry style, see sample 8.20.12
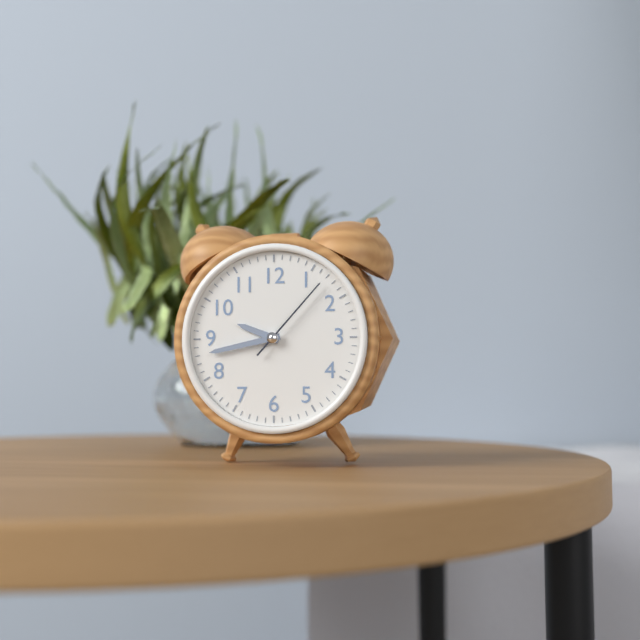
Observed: 9.43.07
